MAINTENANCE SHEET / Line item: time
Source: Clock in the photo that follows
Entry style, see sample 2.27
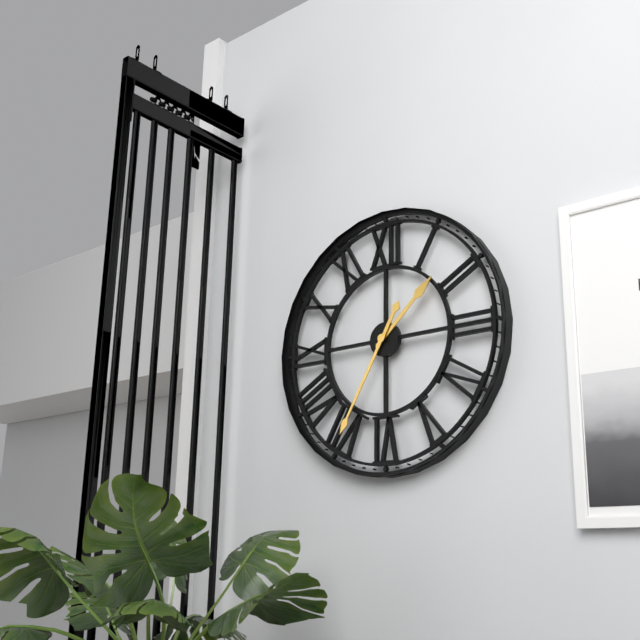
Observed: 1.35
